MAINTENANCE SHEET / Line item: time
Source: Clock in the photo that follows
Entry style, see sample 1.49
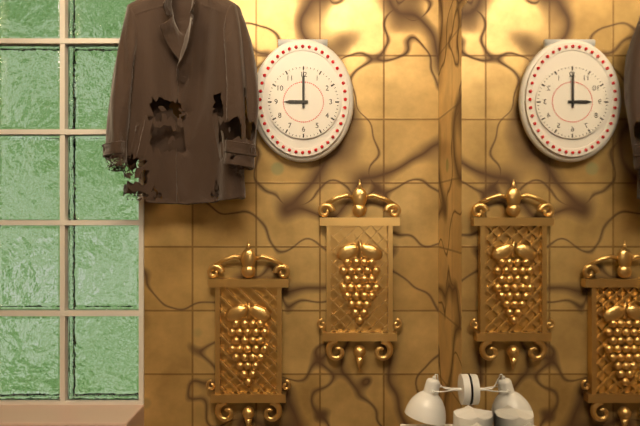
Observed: 9.00
